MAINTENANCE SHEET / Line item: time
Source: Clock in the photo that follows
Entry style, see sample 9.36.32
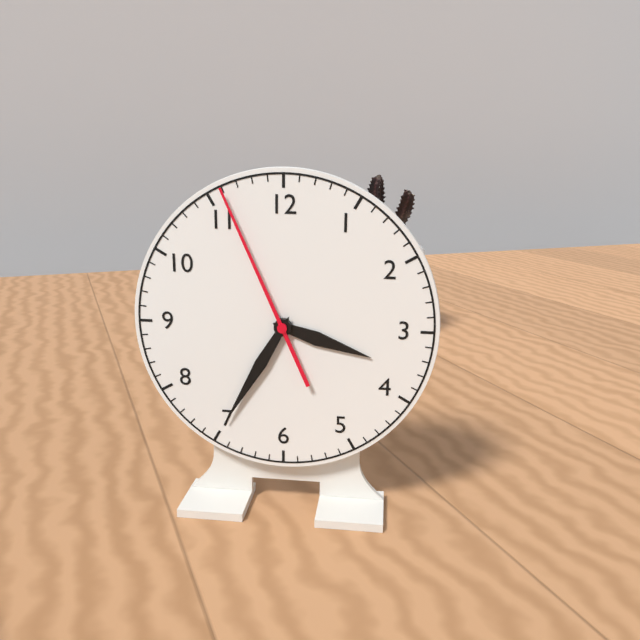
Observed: 3.35.56
